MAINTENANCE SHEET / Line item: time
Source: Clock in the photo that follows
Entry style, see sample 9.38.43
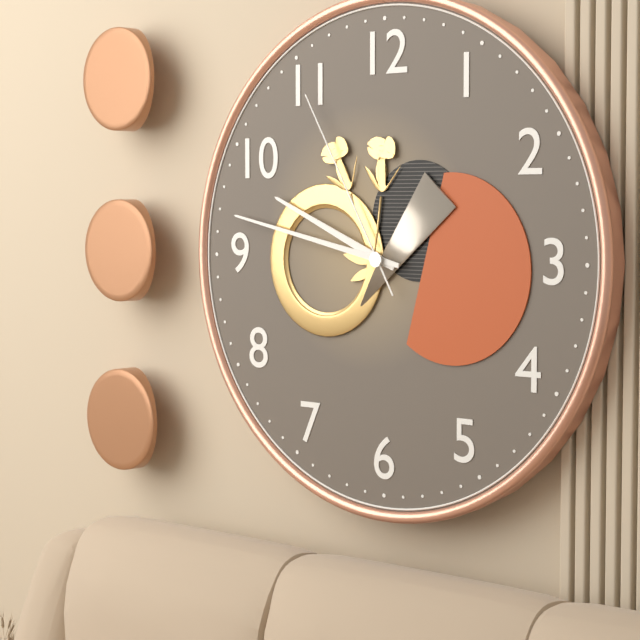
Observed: 9.47.55
